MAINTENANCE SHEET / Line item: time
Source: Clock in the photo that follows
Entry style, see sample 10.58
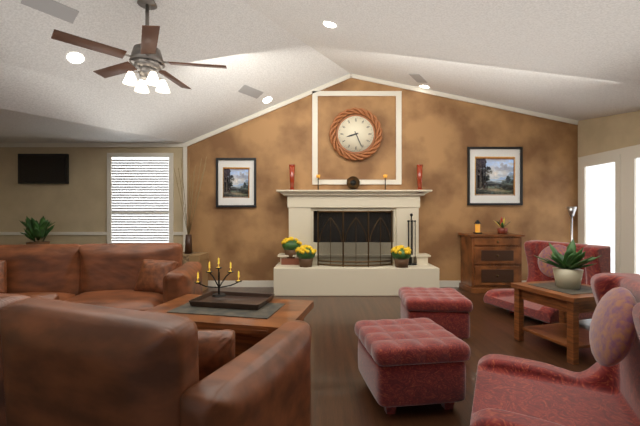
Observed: 8.26
